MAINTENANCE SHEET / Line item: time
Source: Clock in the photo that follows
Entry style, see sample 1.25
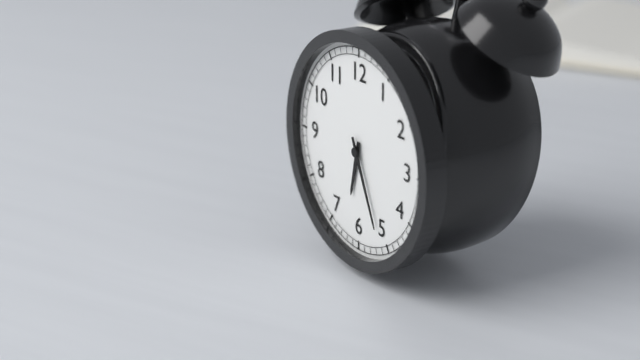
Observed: 6.26
